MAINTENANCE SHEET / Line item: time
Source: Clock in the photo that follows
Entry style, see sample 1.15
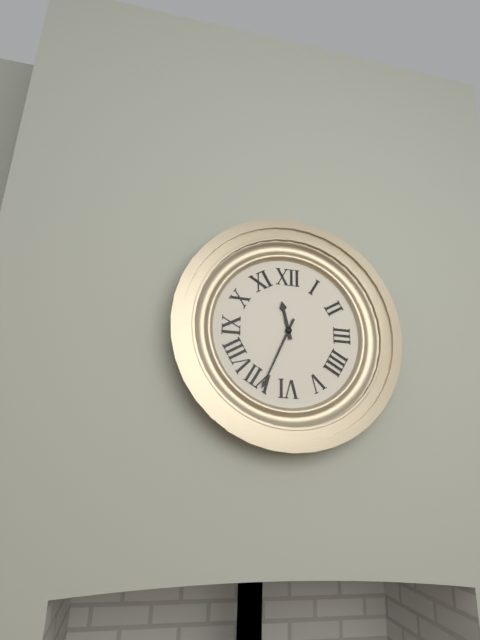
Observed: 11.34
